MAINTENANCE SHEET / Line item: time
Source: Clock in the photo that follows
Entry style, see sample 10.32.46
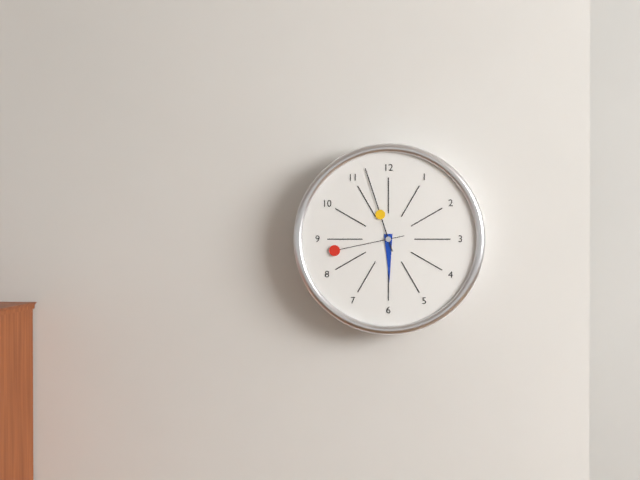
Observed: 5.57.43
